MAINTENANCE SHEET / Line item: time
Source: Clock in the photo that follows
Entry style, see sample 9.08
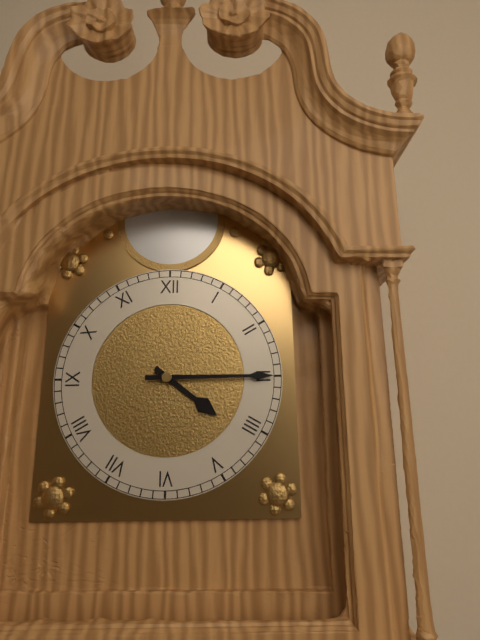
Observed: 4.15
